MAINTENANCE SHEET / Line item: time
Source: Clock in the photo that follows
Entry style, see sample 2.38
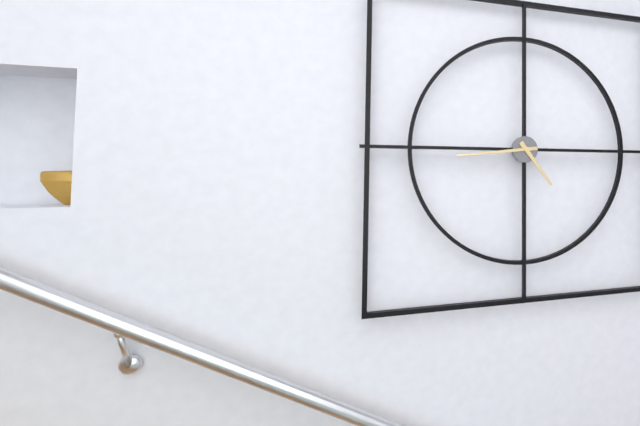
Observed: 4.44
